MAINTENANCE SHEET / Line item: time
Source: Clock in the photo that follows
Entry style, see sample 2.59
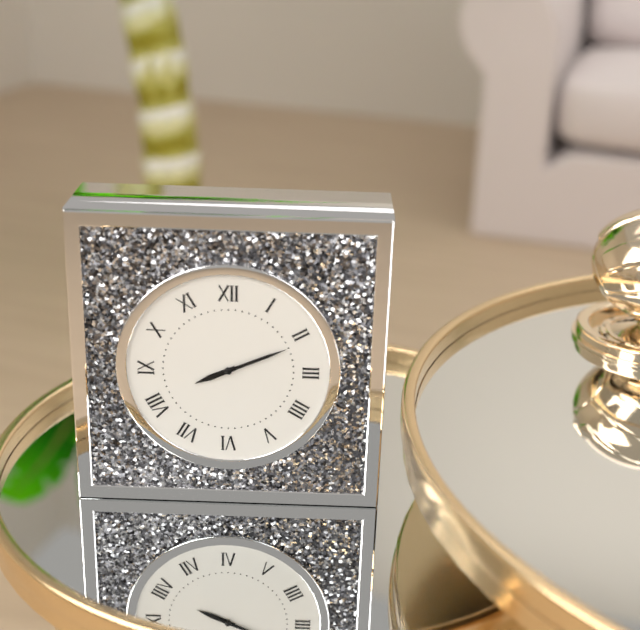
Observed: 8.11
